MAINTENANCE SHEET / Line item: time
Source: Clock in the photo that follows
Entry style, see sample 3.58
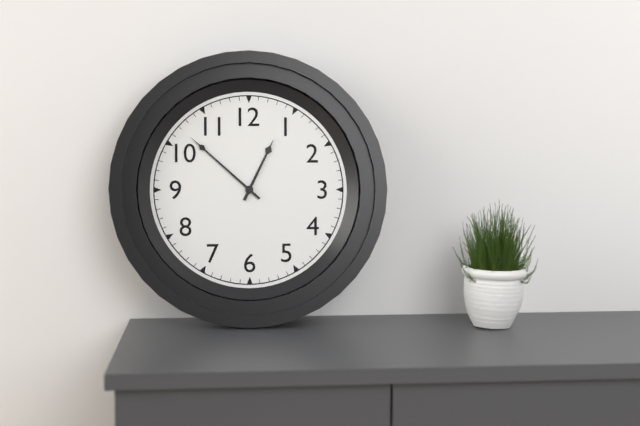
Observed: 12.52
